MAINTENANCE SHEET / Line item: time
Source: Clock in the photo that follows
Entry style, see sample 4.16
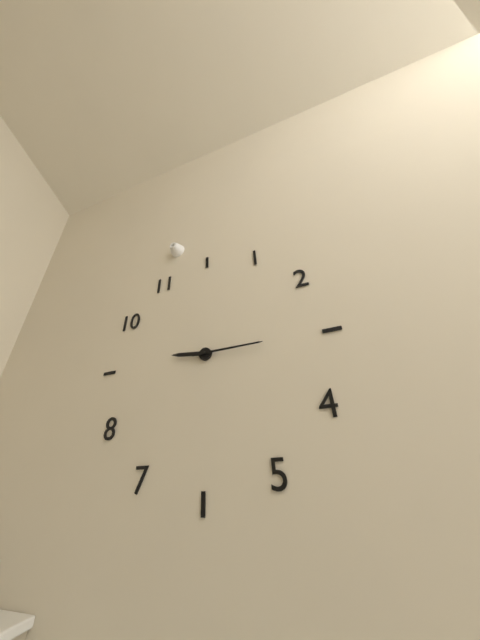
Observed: 9.15
